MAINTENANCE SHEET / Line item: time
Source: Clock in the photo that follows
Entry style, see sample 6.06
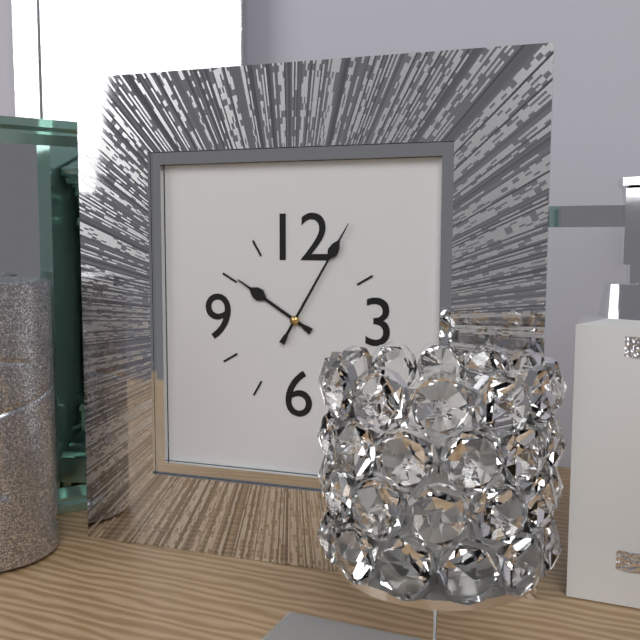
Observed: 10.05
